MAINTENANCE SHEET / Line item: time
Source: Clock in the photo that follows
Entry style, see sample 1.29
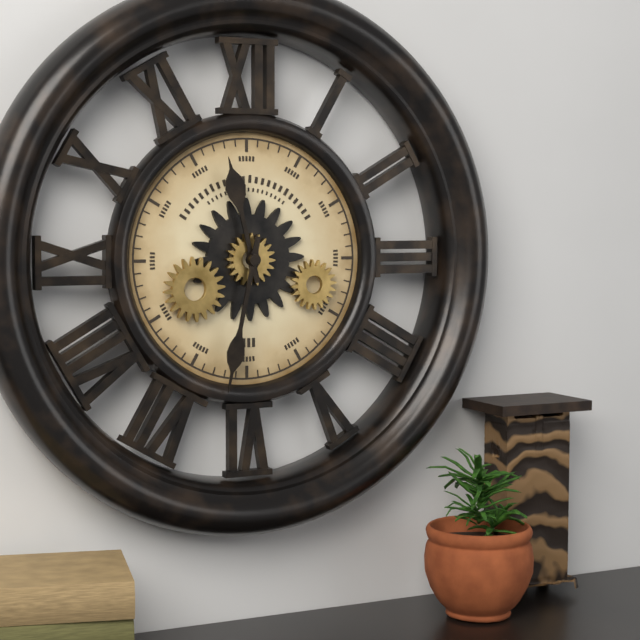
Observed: 11.32
